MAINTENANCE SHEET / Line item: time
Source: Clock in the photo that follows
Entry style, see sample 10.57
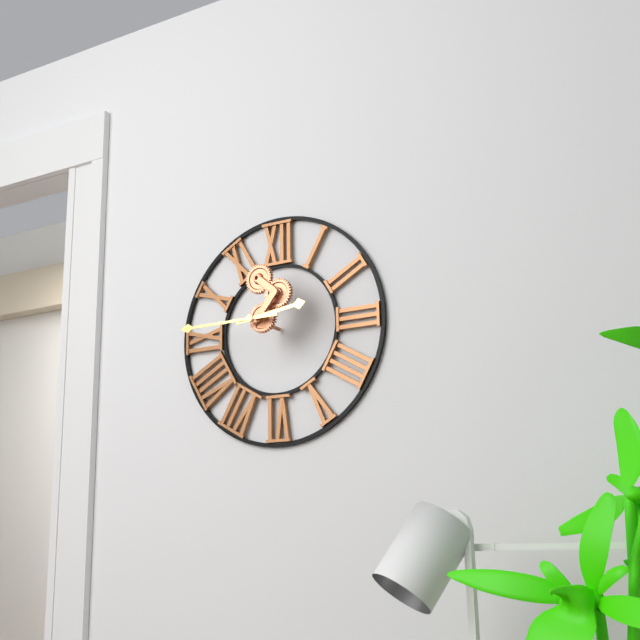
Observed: 2.45
